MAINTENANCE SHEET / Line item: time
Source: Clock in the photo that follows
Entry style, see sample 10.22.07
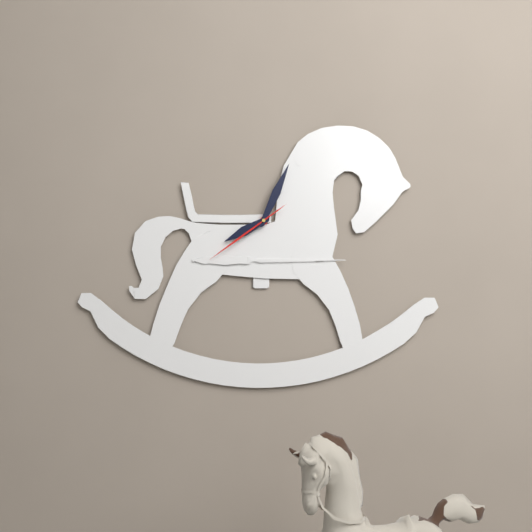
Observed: 8.04.39
